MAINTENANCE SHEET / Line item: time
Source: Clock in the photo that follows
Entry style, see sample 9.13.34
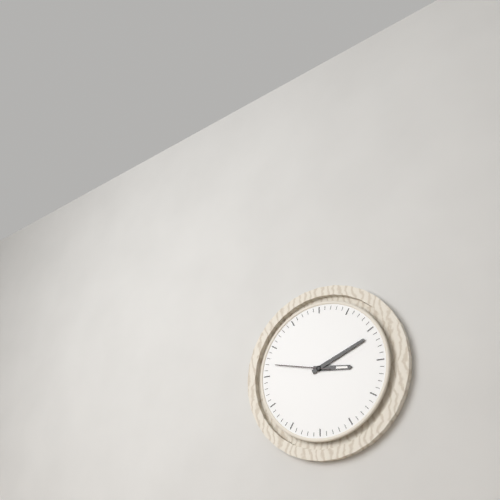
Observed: 3.11.47
